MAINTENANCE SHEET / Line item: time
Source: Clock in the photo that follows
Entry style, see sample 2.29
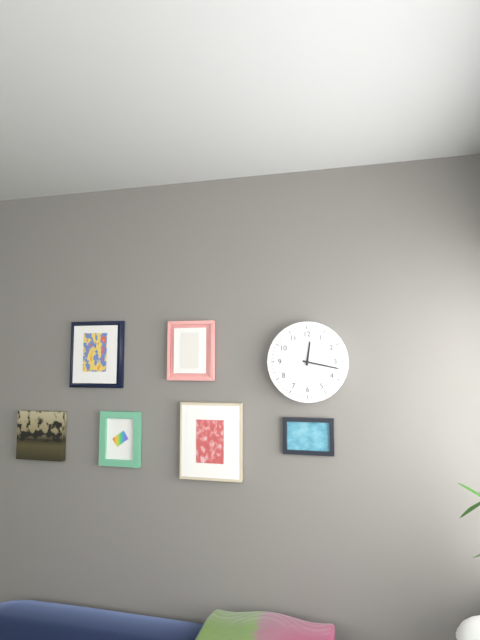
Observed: 12.17
